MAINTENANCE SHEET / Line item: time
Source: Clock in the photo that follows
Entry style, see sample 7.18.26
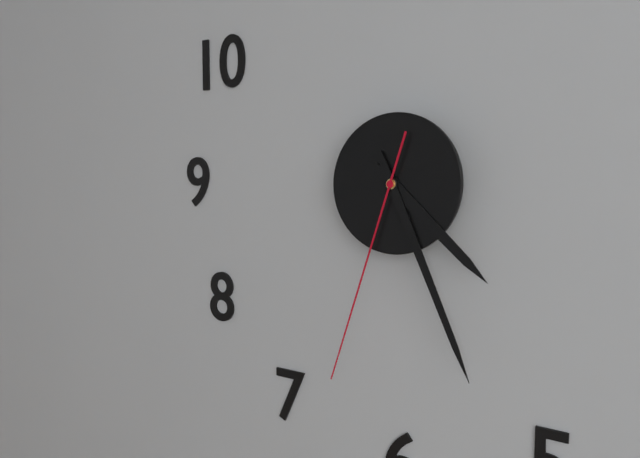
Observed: 4.26.33
